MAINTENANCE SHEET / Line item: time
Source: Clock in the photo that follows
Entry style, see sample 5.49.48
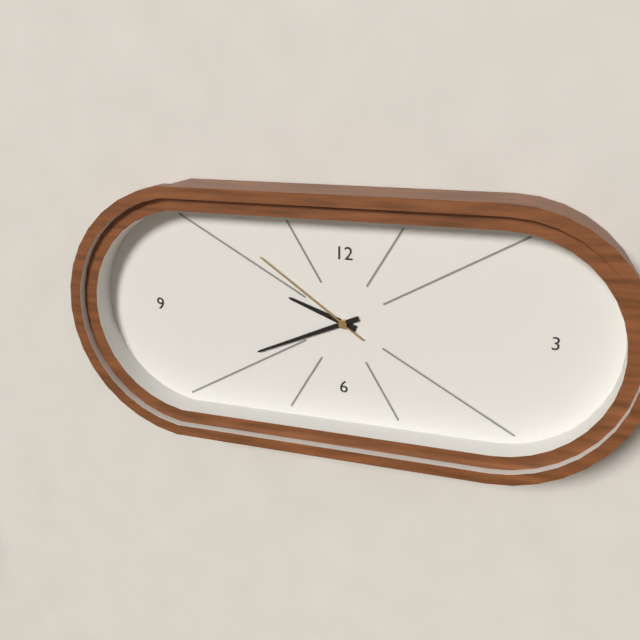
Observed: 9.41.51
